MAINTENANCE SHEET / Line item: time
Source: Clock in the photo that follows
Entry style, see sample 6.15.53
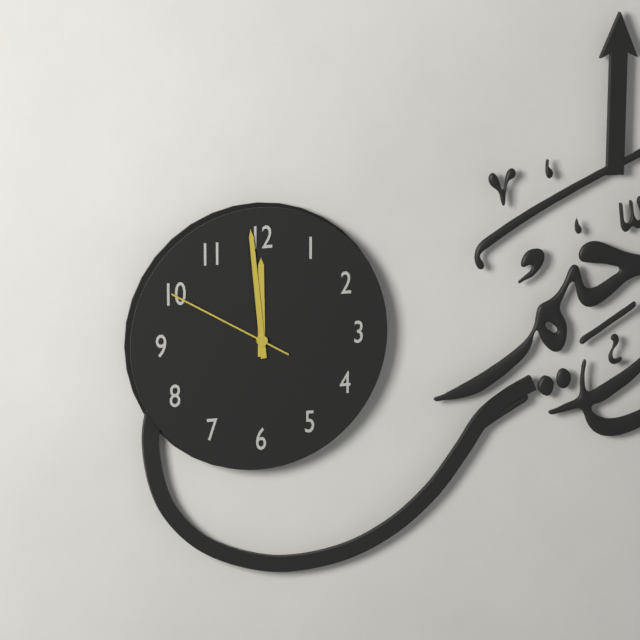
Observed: 11.59.50
